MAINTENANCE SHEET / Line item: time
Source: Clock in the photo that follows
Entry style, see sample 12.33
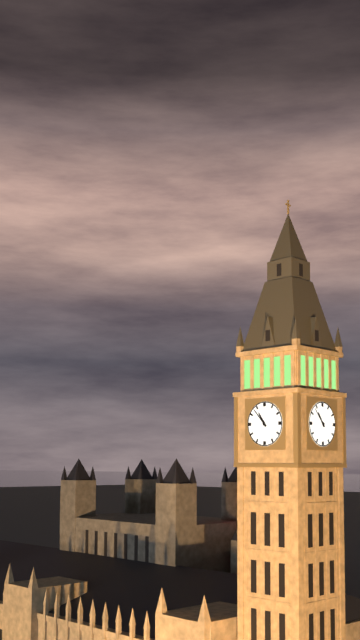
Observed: 10.53
